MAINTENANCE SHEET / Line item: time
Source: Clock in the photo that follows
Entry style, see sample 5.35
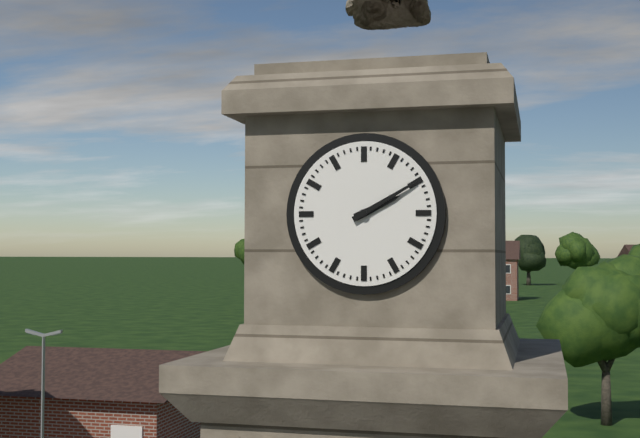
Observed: 2.10
